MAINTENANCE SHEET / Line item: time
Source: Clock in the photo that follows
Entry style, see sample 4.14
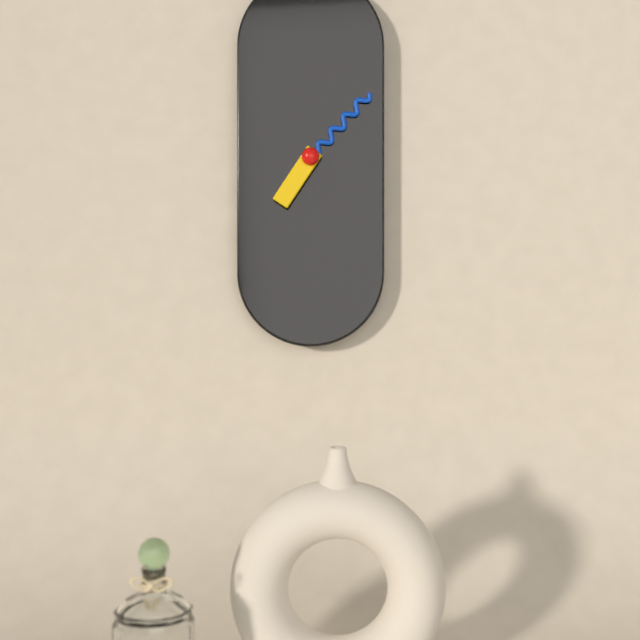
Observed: 7.07
